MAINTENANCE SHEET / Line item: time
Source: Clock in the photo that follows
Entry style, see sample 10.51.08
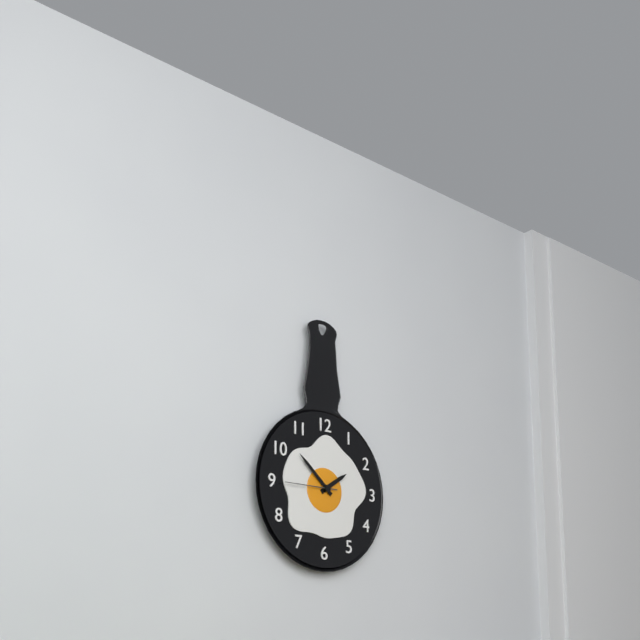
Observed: 1.52.45
